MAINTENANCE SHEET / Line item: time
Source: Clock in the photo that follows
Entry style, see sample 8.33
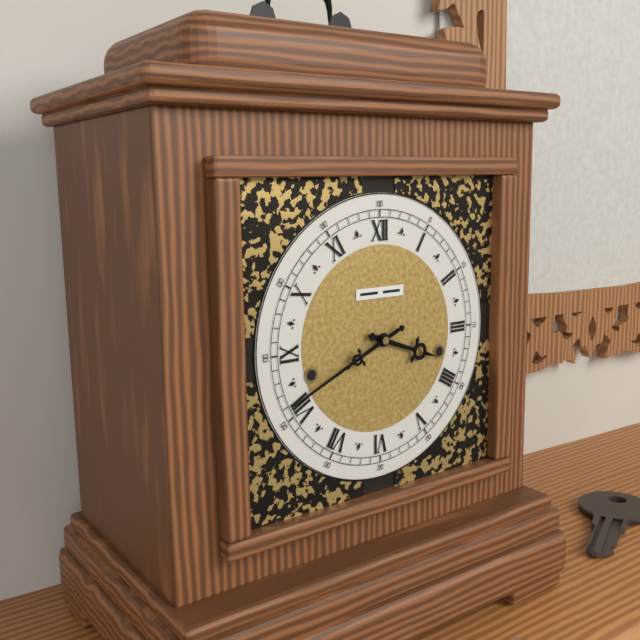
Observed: 3.41
